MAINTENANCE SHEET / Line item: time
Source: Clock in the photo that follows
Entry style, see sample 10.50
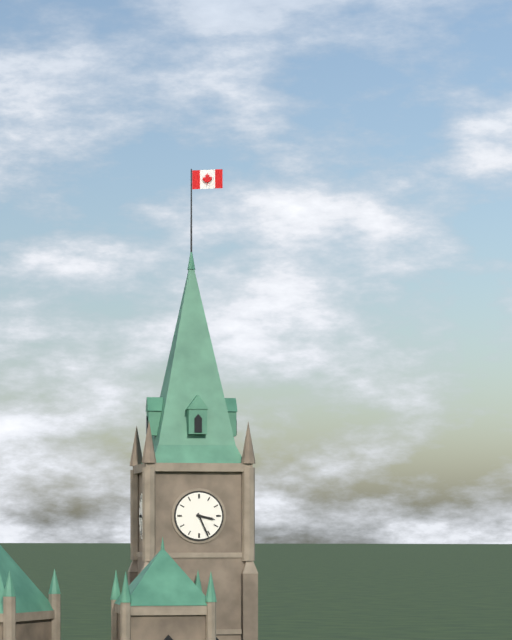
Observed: 3.26
